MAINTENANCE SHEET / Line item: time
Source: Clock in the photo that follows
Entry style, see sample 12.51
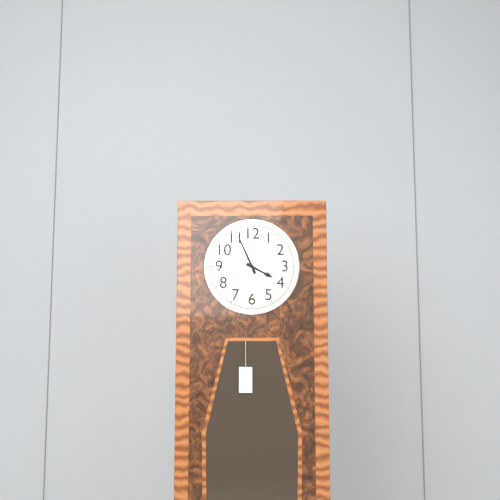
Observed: 3.56
